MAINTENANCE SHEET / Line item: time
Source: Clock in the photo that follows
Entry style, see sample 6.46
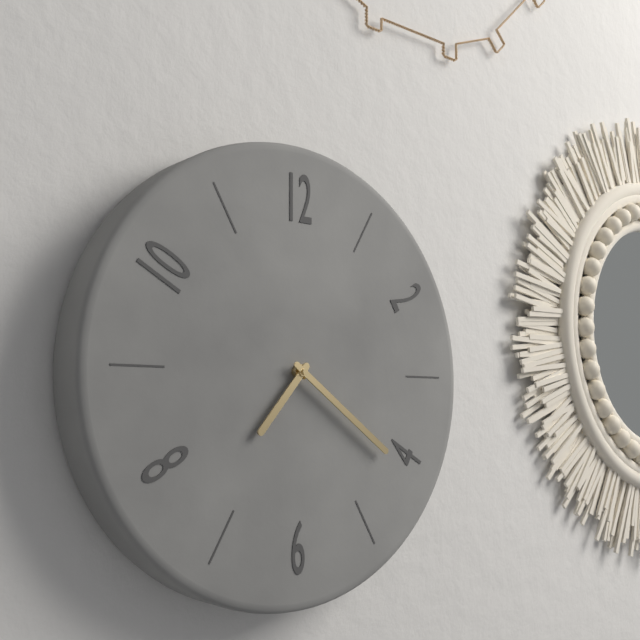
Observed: 7.21
